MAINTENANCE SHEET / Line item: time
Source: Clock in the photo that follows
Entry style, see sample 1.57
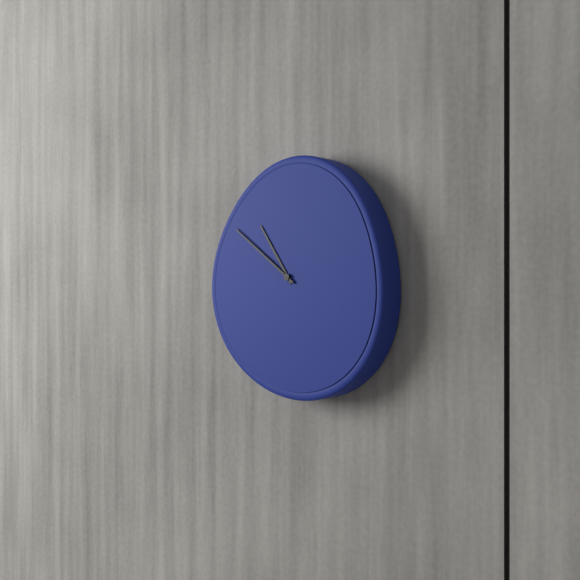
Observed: 10.51
